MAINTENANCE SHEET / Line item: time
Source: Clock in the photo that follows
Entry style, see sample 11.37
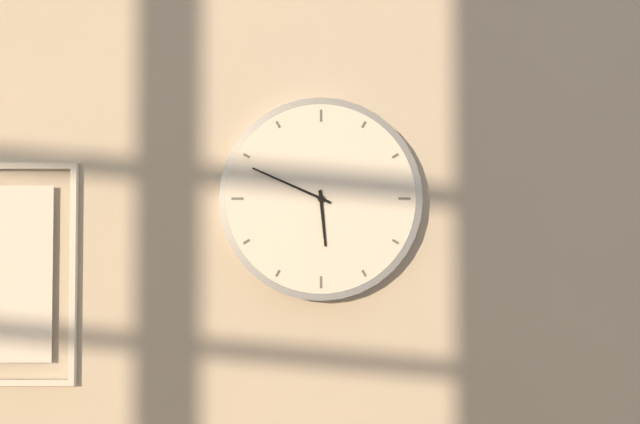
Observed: 5.49
